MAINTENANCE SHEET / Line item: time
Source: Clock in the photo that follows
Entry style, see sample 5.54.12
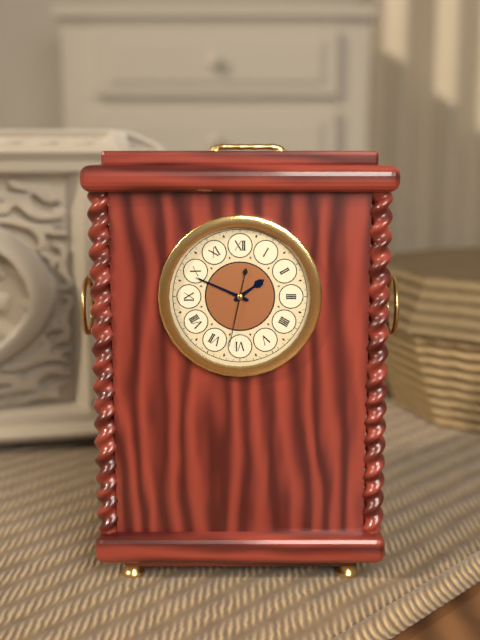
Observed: 1.49.32
